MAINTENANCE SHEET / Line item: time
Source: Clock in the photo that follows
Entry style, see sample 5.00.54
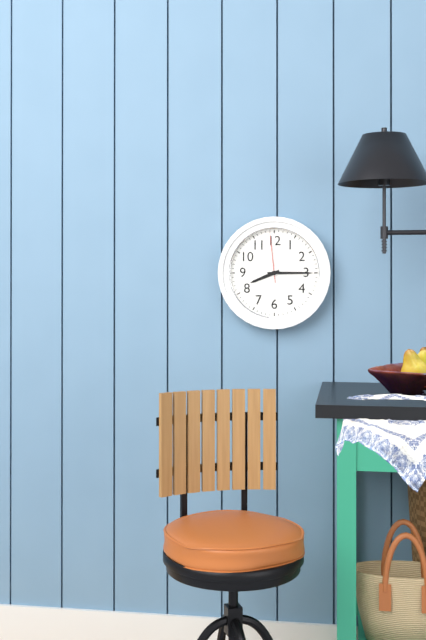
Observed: 8.15.59
